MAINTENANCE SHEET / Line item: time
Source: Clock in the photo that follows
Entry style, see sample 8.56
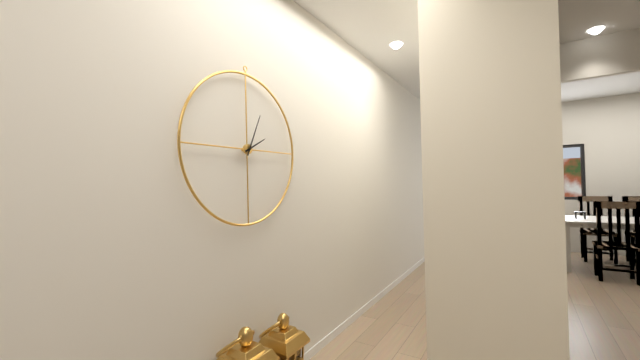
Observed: 2.04
